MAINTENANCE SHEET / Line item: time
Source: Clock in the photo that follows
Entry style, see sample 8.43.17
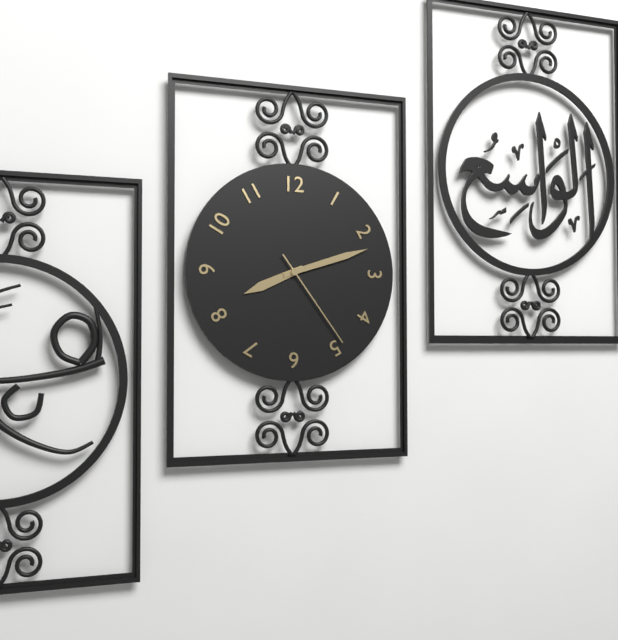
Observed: 8.12.24
